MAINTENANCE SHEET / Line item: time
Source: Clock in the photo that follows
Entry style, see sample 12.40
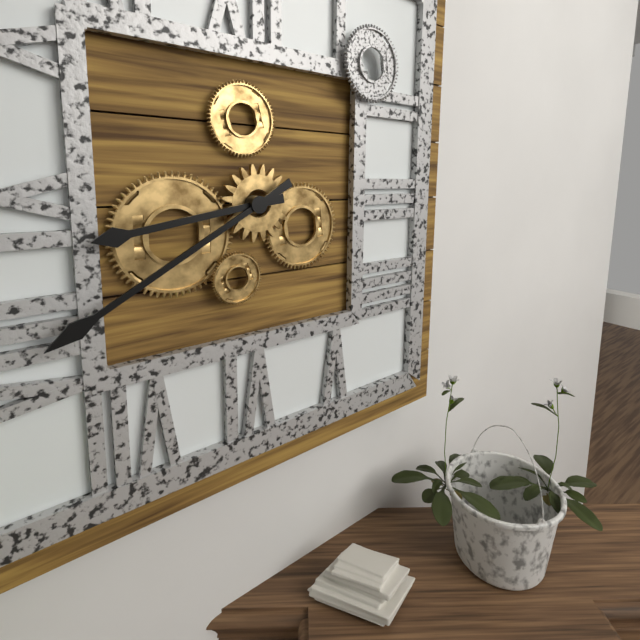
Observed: 8.40
